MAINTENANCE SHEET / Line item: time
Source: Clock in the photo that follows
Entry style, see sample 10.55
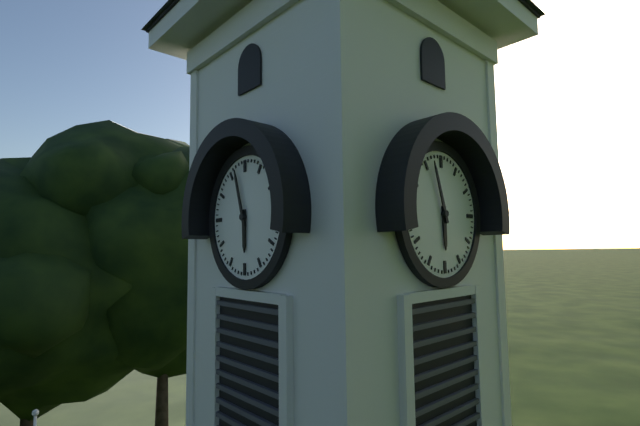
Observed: 5.57
